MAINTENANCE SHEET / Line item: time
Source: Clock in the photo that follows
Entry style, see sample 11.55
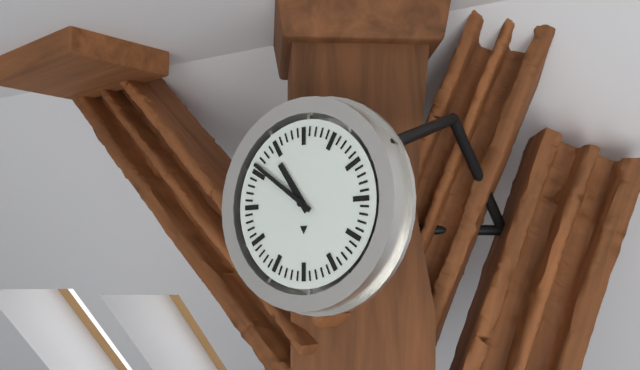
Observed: 10.51
